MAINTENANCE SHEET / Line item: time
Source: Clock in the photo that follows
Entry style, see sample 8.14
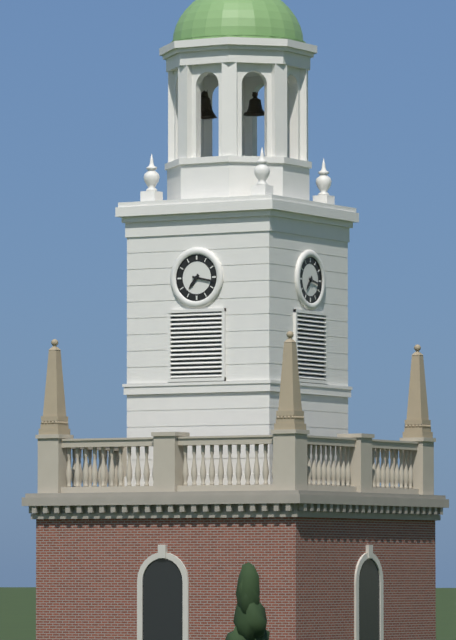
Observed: 7.17
